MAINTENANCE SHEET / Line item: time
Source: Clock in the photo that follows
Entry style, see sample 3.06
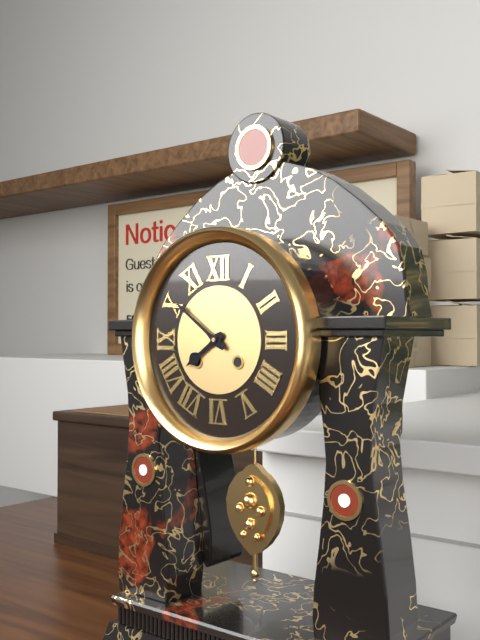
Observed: 7.51
